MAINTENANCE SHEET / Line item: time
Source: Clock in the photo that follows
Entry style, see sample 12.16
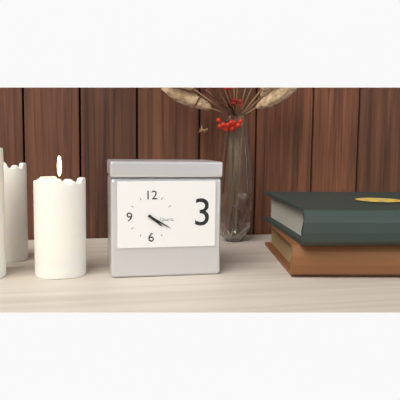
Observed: 4.20
